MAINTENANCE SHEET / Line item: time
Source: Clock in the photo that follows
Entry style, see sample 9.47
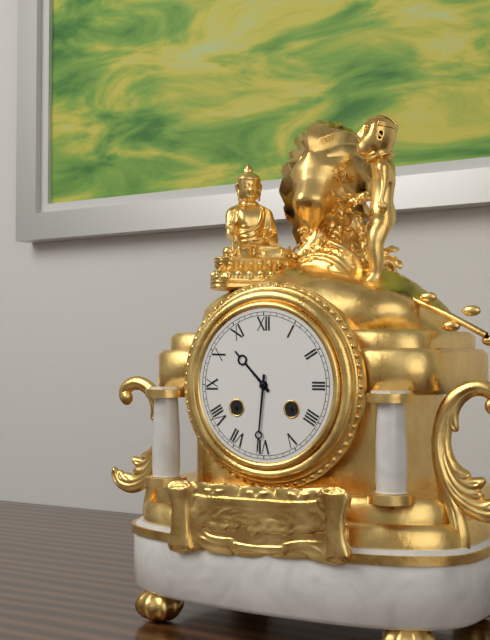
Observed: 10.31
